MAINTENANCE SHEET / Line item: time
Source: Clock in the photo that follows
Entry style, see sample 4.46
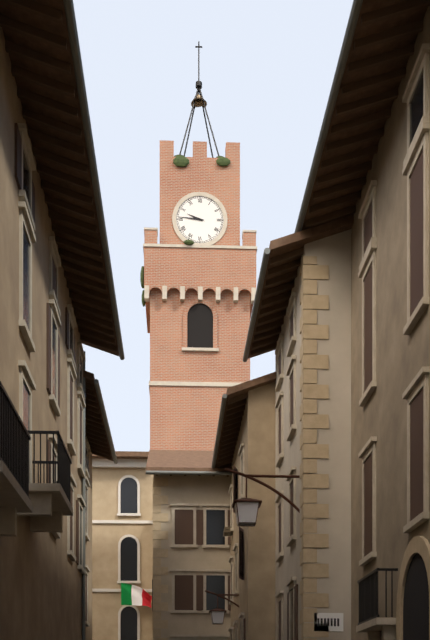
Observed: 9.46
